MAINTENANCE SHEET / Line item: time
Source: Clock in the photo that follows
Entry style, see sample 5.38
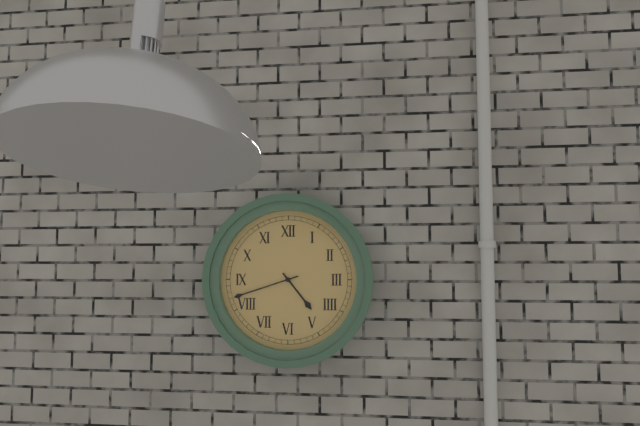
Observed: 4.42
